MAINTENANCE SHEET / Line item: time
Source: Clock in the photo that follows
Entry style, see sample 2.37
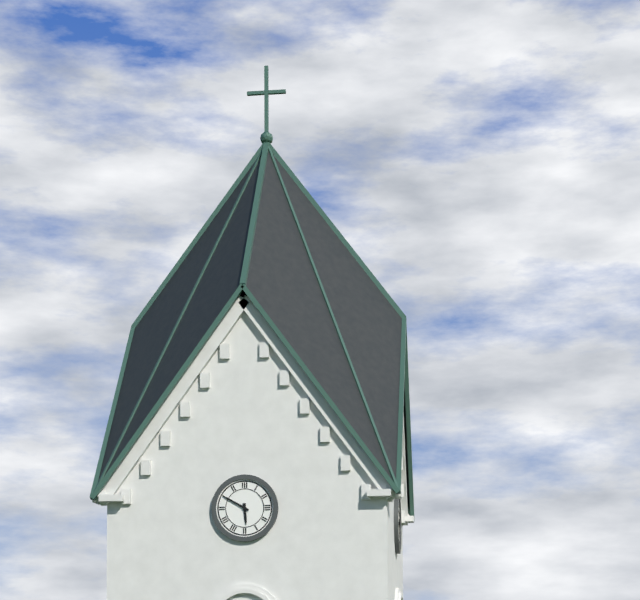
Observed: 5.50
